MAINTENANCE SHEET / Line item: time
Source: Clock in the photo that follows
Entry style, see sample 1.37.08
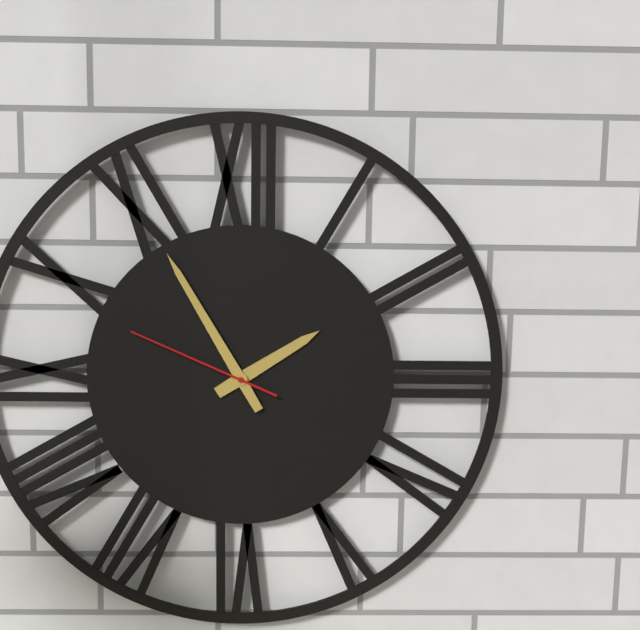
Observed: 1.55.49
